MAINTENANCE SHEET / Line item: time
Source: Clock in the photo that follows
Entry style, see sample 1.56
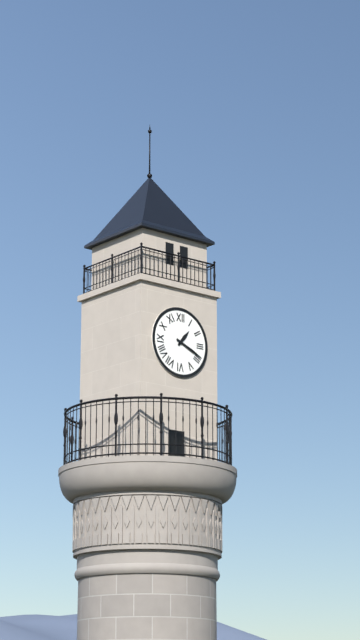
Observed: 1.19
